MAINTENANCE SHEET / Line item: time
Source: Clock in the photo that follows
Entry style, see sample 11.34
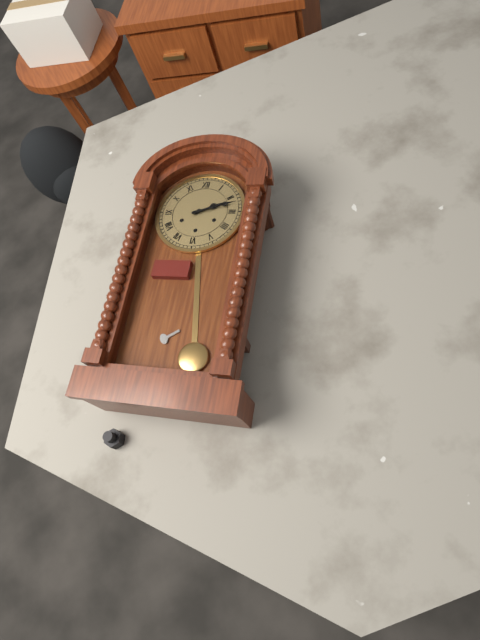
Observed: 2.12
